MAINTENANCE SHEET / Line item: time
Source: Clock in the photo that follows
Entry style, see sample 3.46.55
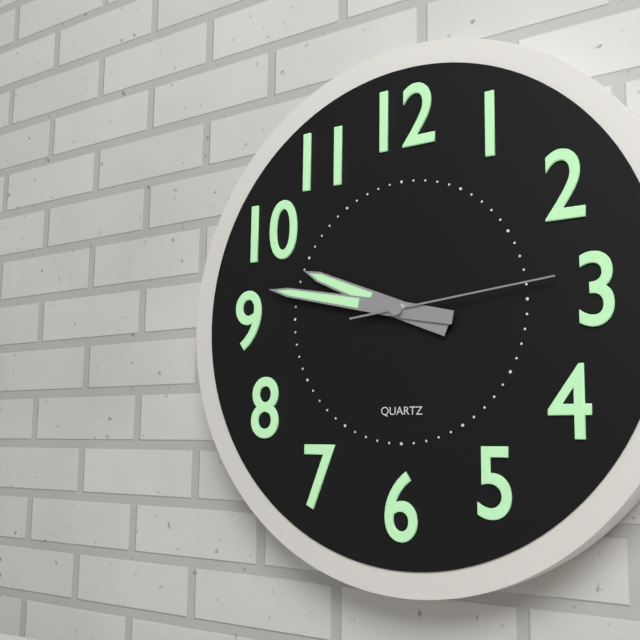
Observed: 9.47.14
